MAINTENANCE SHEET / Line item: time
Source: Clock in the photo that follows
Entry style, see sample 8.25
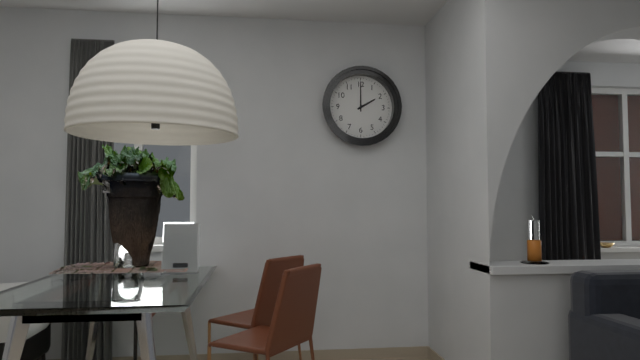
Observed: 2.00
